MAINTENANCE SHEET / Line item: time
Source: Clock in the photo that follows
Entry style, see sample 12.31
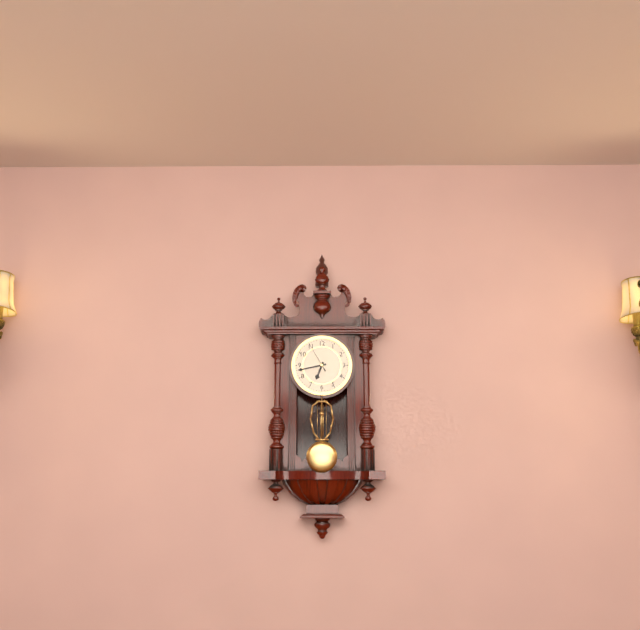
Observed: 6.43
